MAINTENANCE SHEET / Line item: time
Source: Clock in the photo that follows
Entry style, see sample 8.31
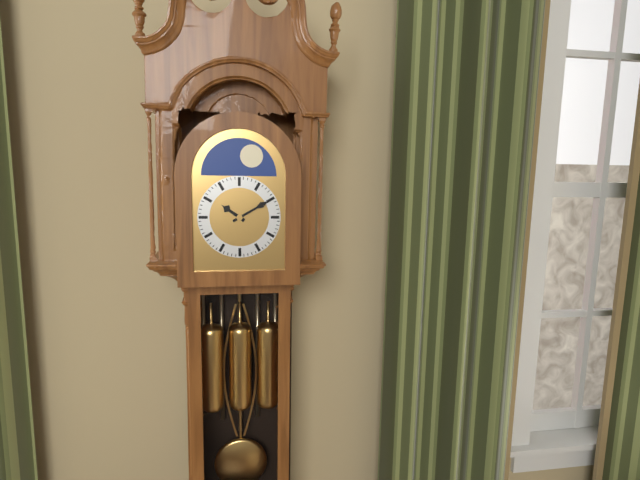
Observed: 10.10
